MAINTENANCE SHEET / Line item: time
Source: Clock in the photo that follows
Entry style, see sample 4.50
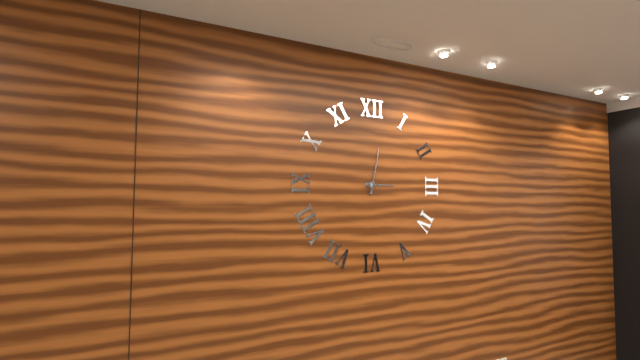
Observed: 3.02
